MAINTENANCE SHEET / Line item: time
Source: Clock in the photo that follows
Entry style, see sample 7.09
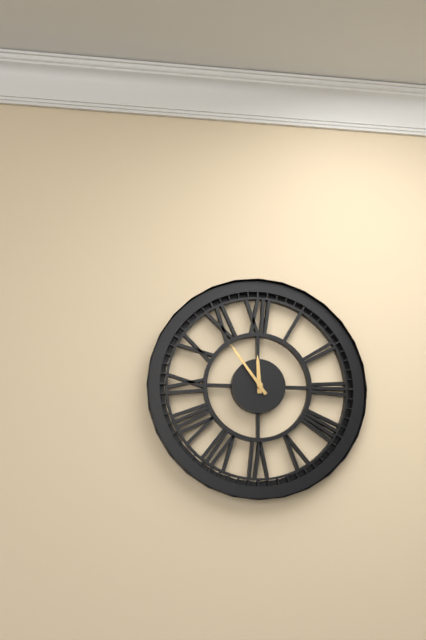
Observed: 11.54
